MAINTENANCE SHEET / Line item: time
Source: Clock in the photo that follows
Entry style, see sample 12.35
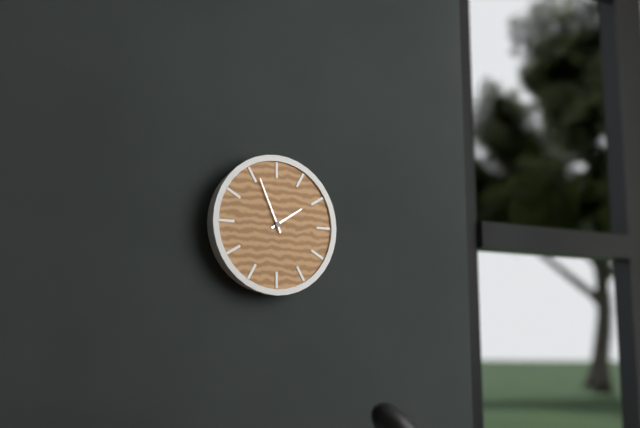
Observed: 1.56
